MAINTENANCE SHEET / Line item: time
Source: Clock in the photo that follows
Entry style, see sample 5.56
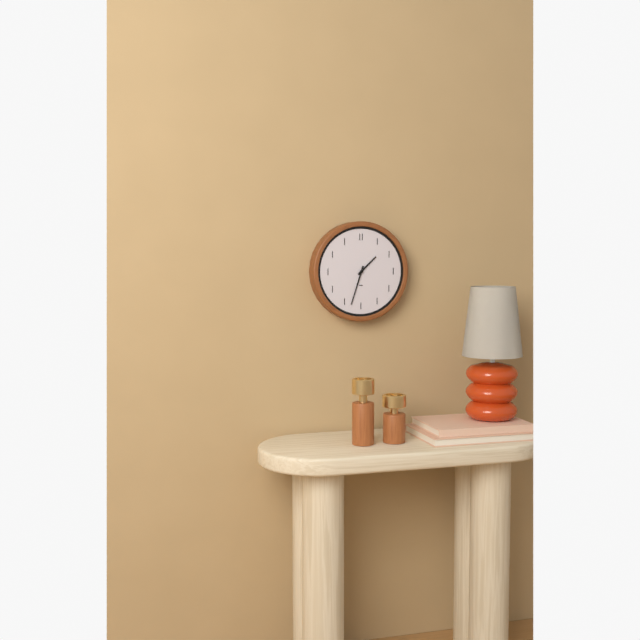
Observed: 1.33
